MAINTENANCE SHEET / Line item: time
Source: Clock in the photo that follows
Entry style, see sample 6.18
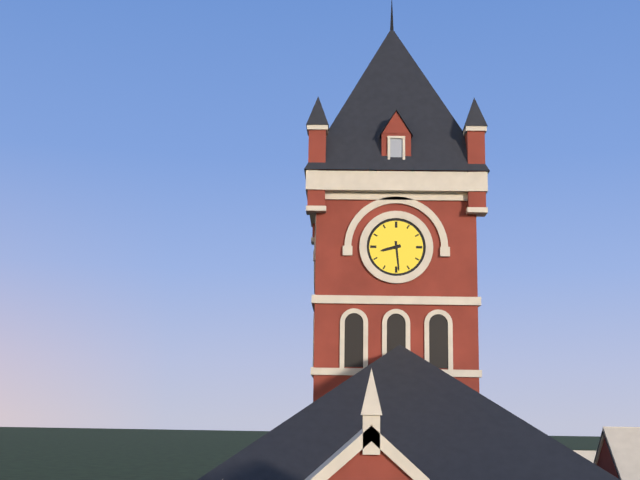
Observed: 8.29
